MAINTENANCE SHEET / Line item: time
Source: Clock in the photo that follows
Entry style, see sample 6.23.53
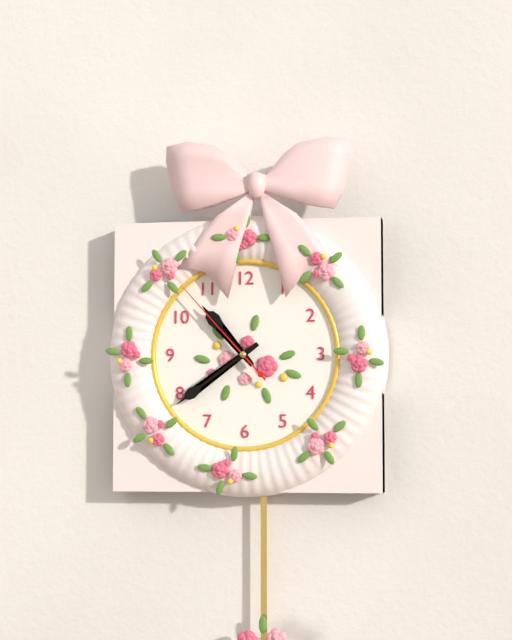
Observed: 10.39.53
